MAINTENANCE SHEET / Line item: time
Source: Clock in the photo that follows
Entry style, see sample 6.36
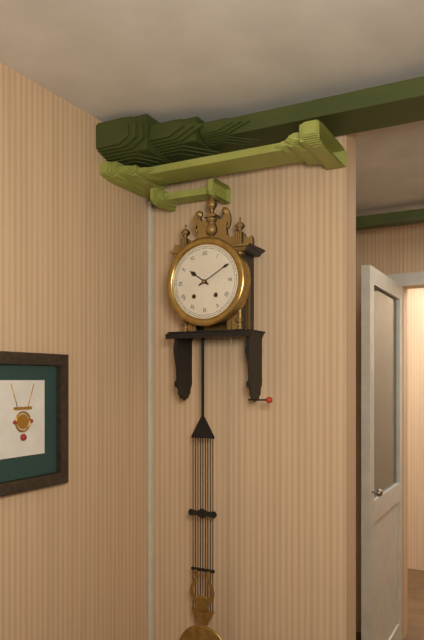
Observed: 10.10
